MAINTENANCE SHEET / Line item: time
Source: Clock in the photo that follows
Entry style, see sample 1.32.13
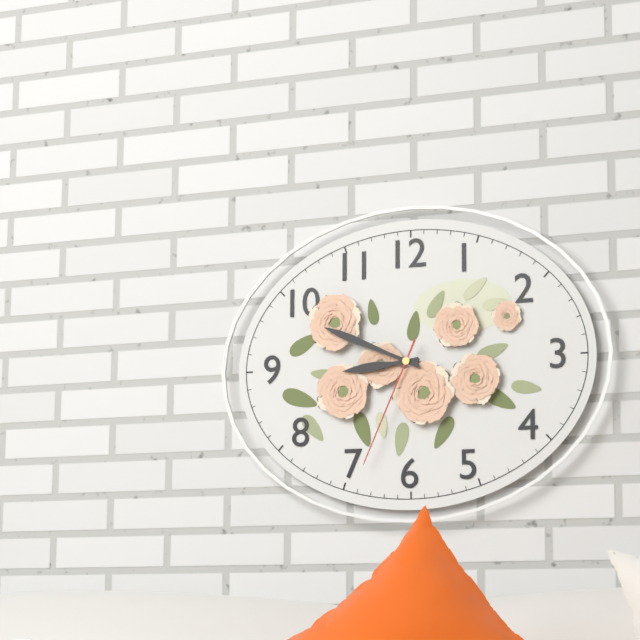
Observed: 8.49.34
